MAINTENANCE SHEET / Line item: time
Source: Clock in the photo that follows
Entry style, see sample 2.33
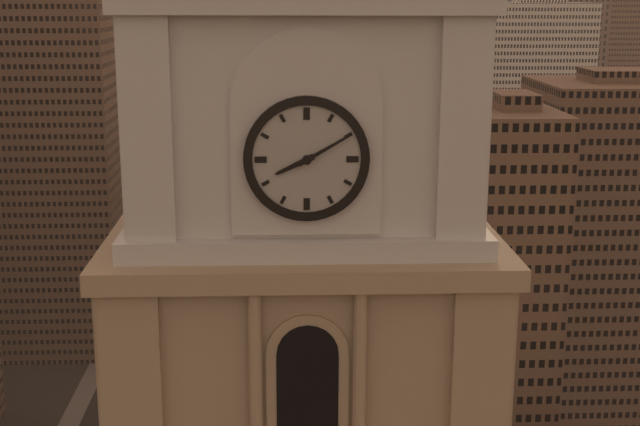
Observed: 8.10
